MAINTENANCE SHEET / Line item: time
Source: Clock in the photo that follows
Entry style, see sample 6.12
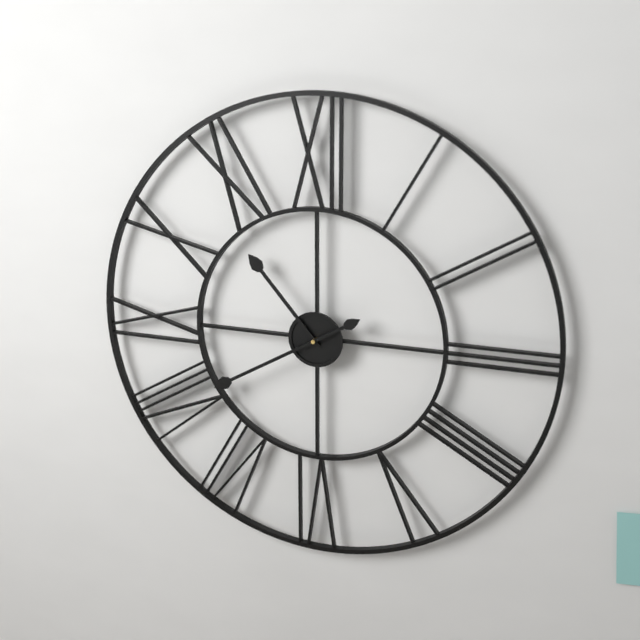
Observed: 10.40
